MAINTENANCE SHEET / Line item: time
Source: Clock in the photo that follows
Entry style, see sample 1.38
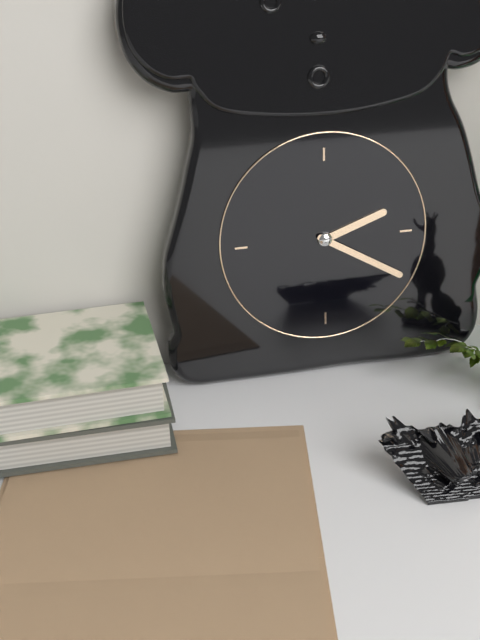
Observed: 2.20
